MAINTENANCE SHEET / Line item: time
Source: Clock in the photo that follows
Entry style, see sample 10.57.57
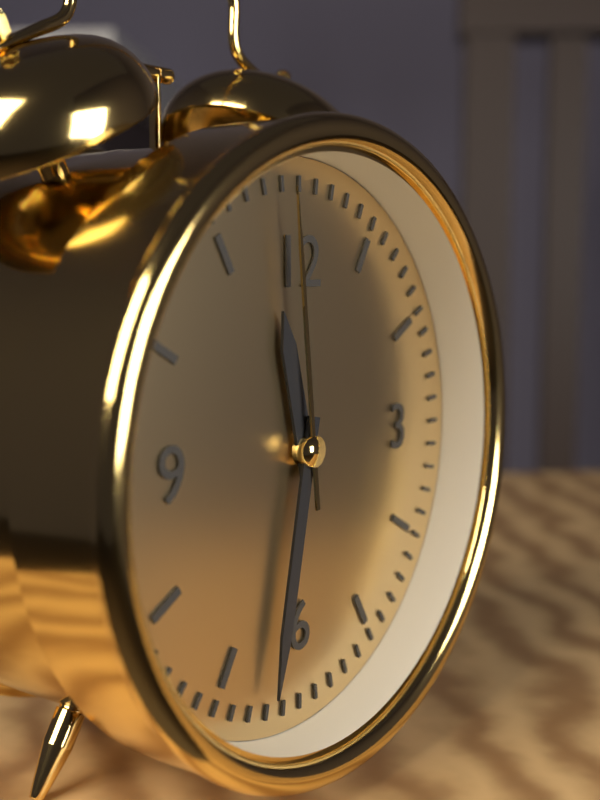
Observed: 11.32.59
